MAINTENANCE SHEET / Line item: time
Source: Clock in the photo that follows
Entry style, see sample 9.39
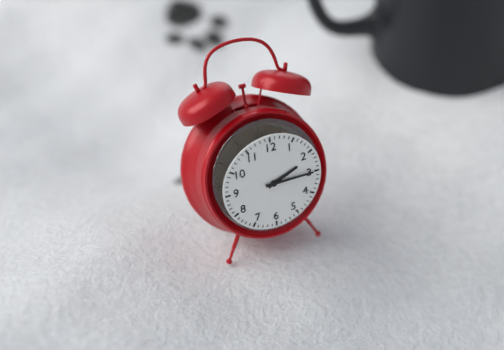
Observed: 2.15
